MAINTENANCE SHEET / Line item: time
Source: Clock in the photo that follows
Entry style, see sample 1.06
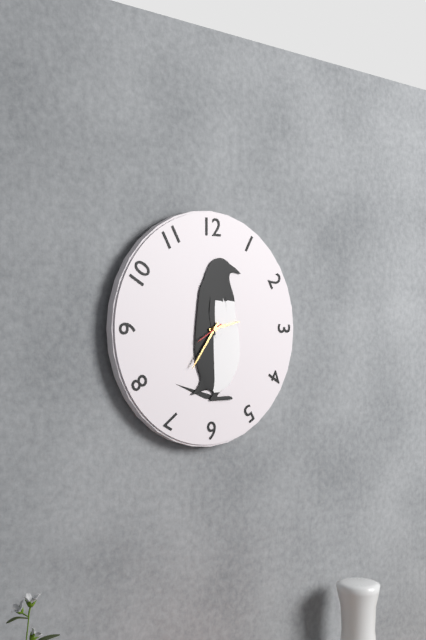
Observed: 2.36
